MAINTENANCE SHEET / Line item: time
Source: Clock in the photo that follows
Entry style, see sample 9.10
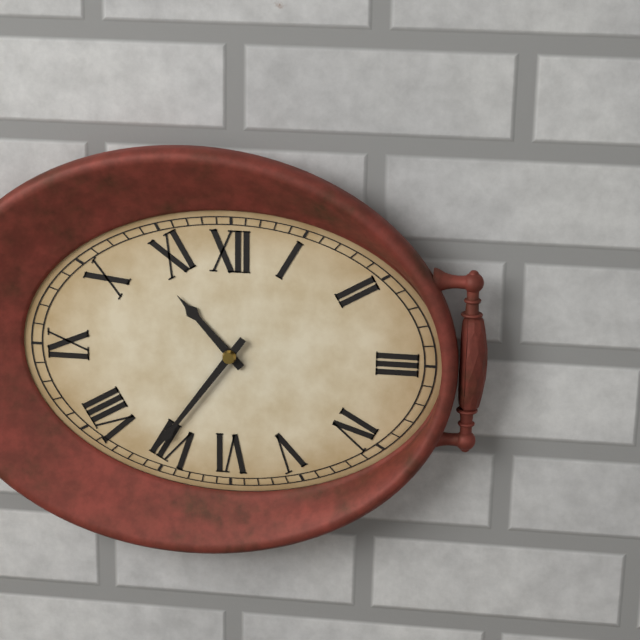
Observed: 10.36
